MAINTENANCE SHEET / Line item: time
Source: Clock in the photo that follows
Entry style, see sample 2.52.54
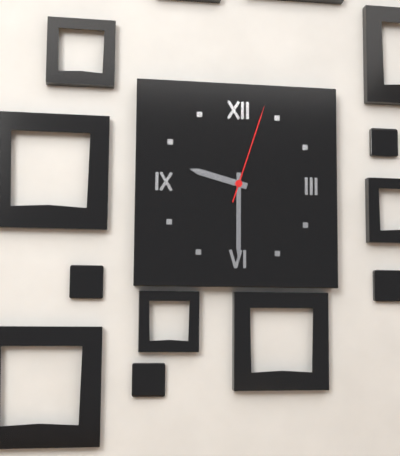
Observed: 9.30.03
